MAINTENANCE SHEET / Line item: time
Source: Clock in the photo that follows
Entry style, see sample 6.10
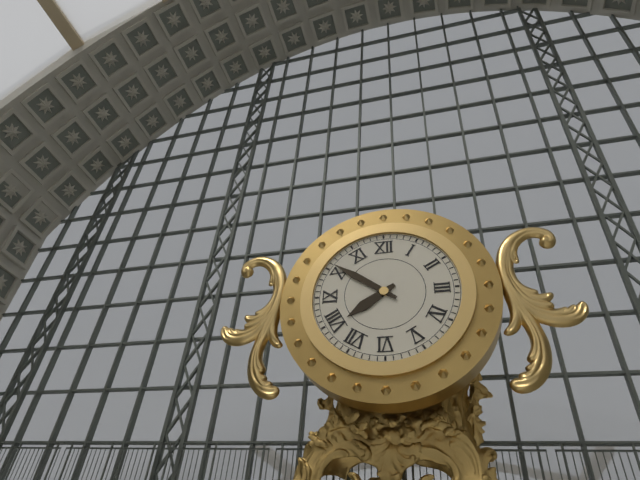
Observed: 7.51
